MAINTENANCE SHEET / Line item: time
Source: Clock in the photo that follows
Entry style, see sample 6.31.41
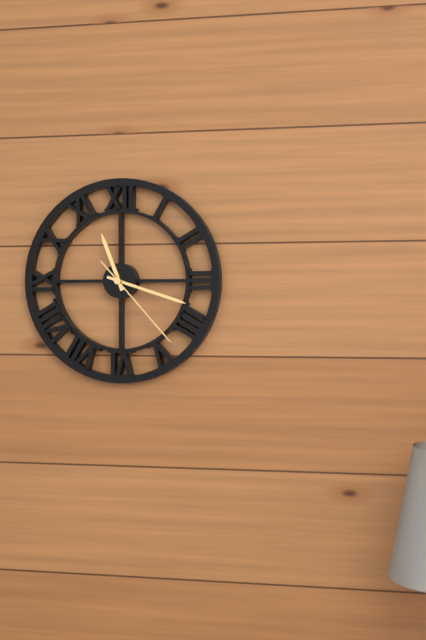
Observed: 11.18.23
